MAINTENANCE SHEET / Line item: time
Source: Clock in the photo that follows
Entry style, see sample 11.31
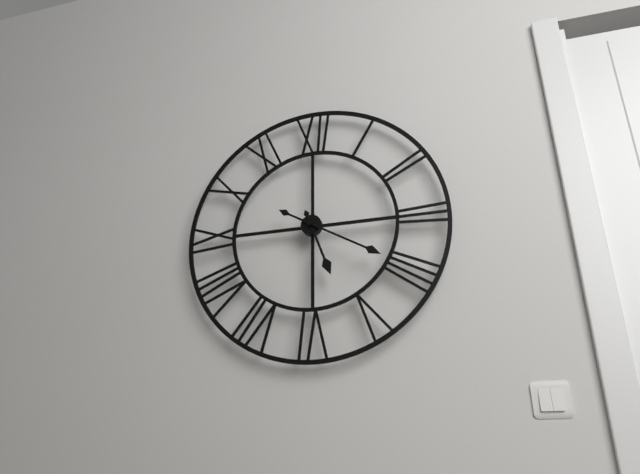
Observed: 5.20
